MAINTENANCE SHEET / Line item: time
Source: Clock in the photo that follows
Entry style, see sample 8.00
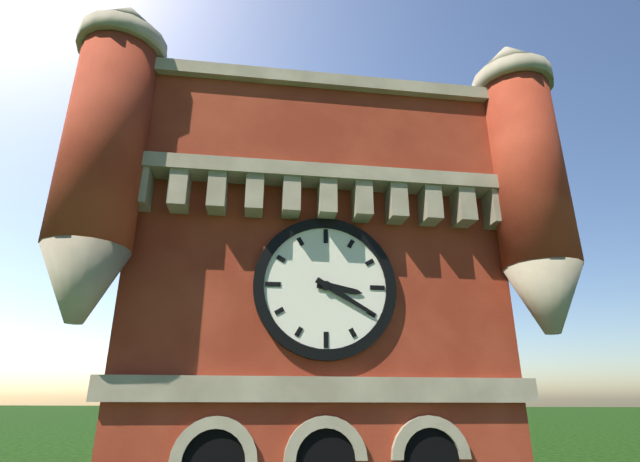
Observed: 3.20
